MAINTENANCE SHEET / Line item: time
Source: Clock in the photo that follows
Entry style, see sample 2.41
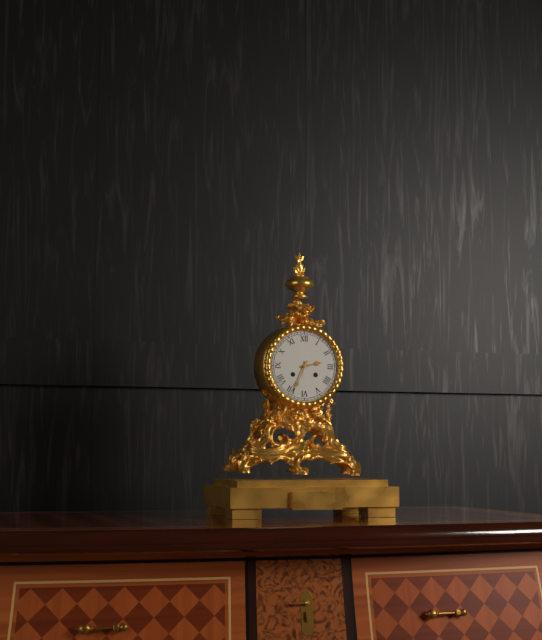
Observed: 2.34
